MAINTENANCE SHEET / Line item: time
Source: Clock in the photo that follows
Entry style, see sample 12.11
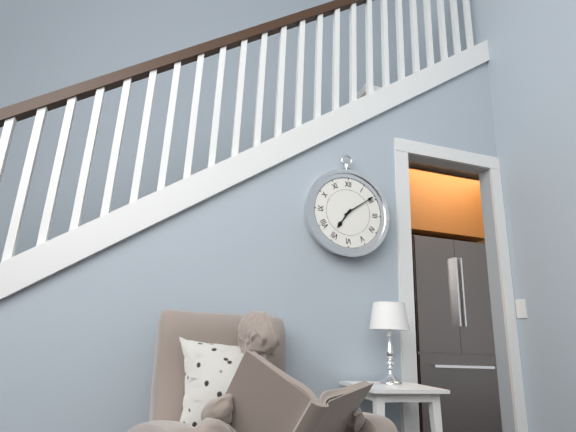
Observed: 7.09
